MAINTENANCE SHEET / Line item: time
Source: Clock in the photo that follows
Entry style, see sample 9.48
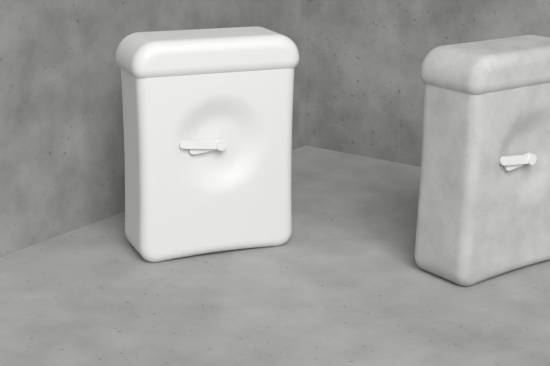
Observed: 8.46
